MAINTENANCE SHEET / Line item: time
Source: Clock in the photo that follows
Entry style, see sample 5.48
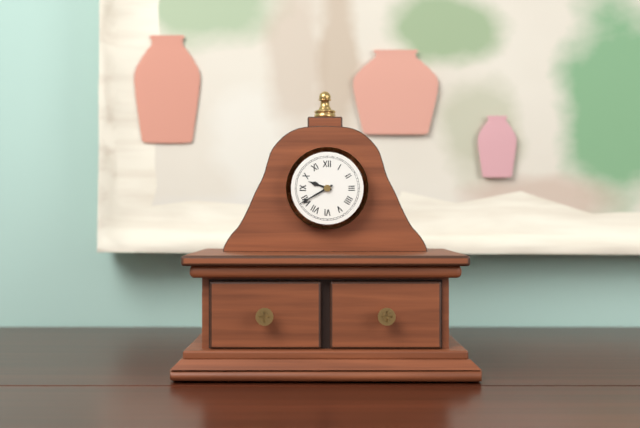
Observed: 9.40
